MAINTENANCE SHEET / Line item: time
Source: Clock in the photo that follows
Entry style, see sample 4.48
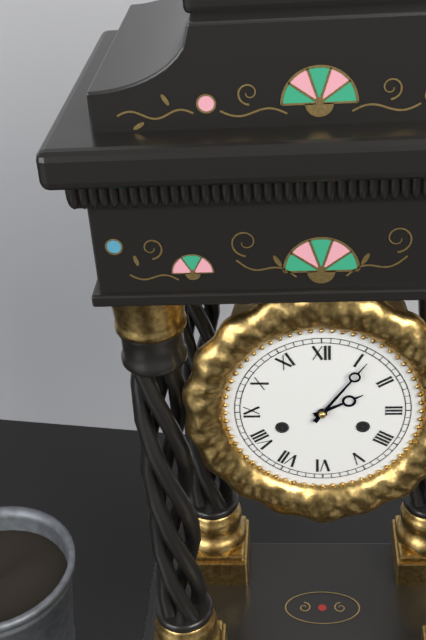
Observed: 2.06
